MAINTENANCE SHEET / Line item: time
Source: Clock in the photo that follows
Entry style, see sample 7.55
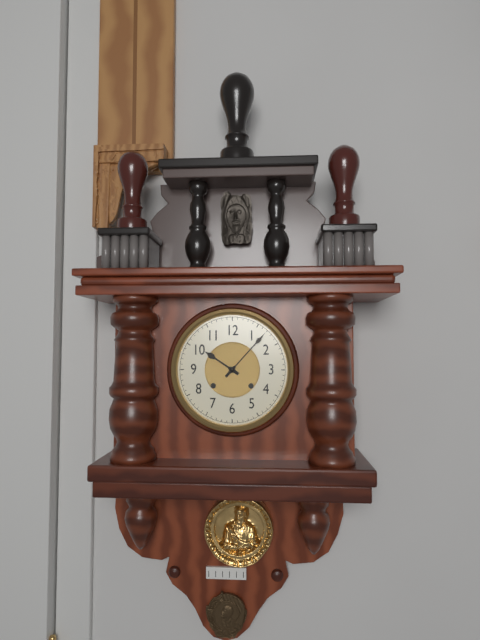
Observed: 10.07
